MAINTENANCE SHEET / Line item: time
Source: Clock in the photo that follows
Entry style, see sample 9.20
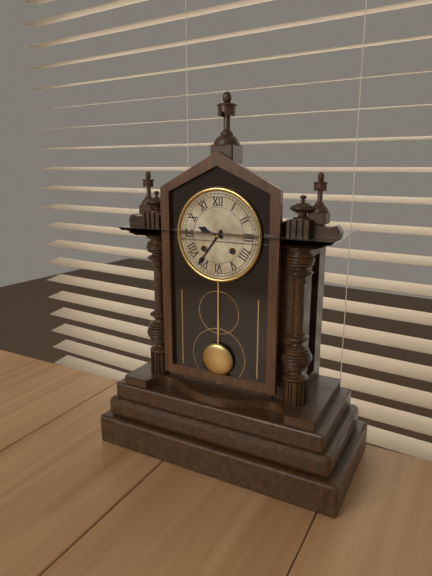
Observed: 9.36
